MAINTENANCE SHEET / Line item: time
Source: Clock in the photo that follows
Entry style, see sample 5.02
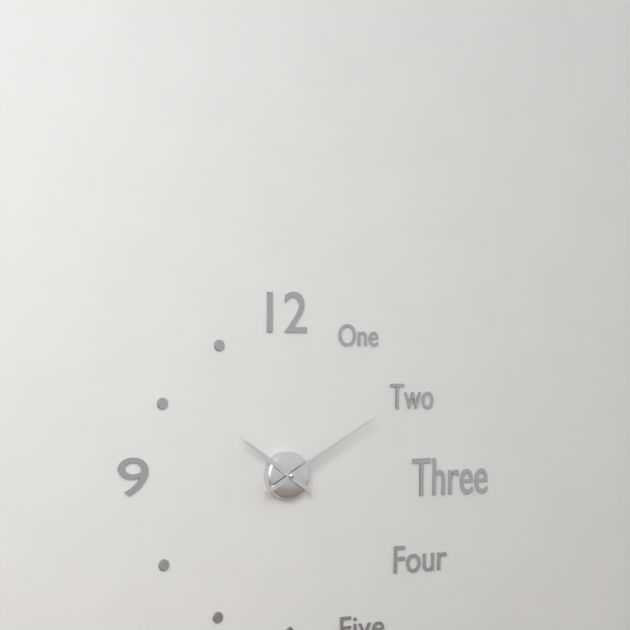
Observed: 10.10
